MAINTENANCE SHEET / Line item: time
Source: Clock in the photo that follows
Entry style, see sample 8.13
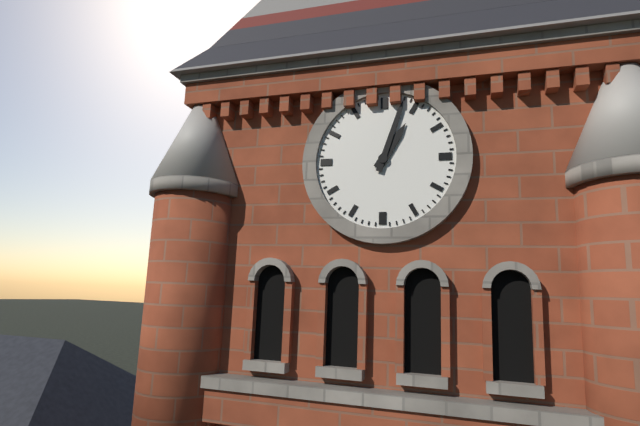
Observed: 1.03
